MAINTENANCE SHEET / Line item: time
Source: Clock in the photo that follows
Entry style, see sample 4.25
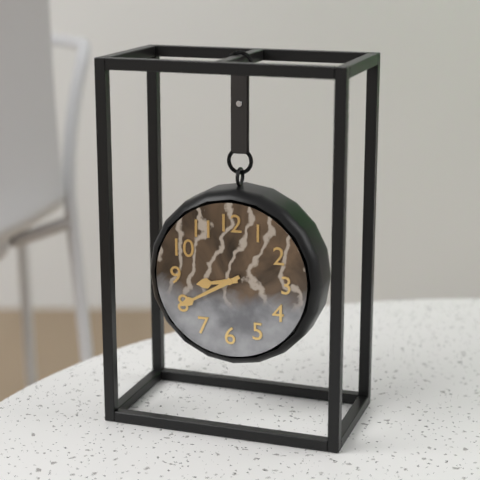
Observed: 8.40
